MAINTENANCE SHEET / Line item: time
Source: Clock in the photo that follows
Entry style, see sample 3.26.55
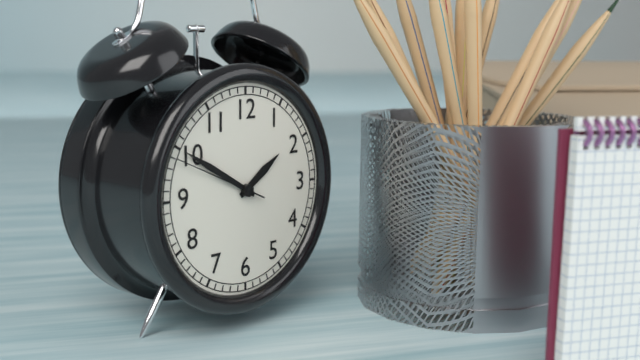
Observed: 1.50.49
